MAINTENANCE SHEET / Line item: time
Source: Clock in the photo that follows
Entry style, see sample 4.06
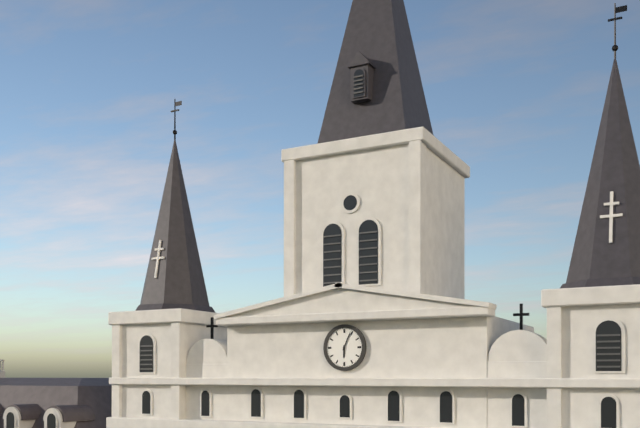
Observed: 6.04
